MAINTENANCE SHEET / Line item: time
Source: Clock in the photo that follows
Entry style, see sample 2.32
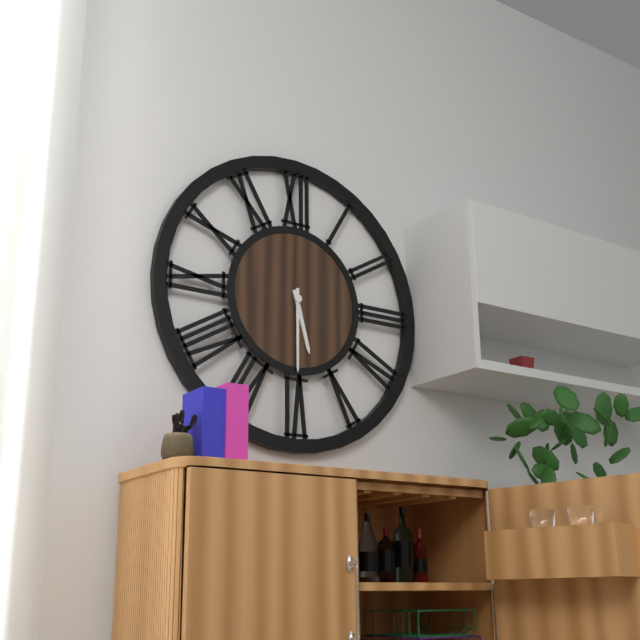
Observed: 5.30
